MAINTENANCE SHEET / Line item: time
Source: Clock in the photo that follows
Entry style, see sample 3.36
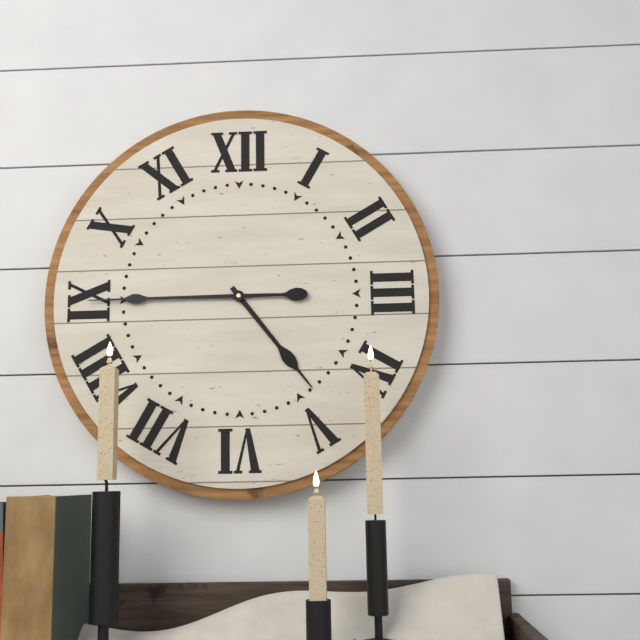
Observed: 4.45
